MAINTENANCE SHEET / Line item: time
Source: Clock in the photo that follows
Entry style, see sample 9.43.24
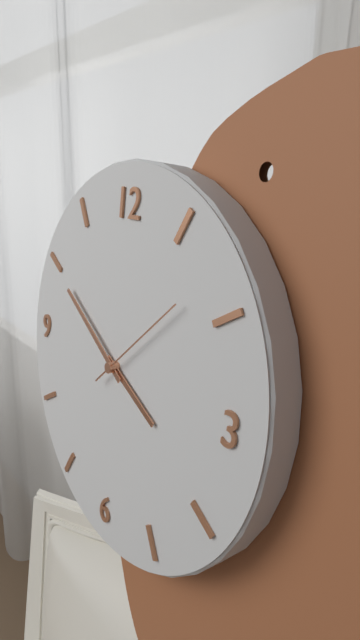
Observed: 3.50.08
